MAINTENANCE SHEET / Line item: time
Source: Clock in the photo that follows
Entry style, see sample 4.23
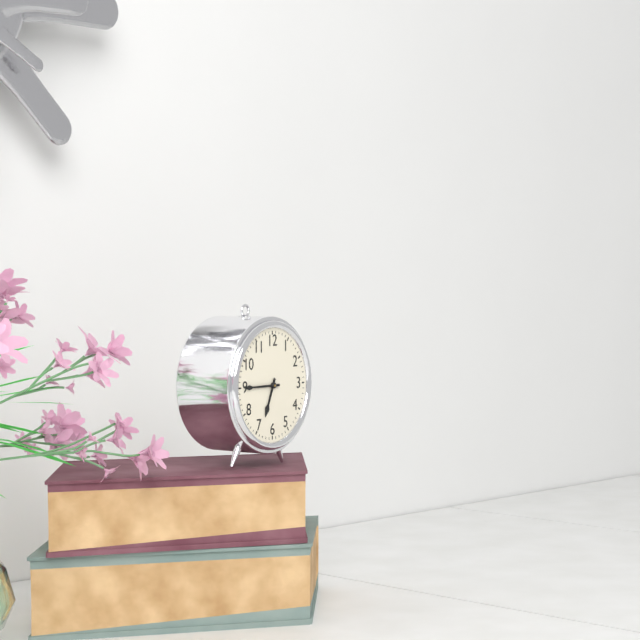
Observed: 6.45
